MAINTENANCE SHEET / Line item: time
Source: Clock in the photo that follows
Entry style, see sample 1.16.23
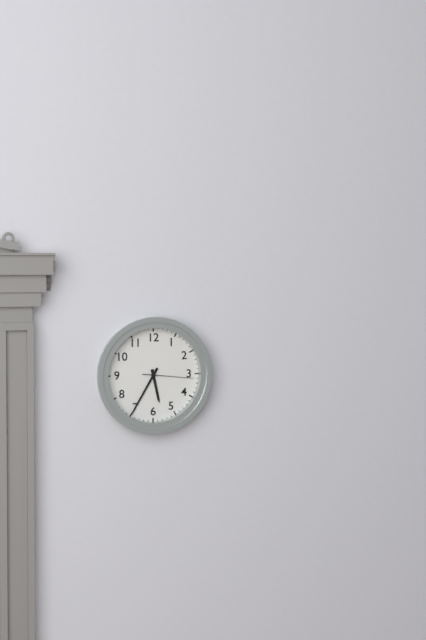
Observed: 5.35.16
